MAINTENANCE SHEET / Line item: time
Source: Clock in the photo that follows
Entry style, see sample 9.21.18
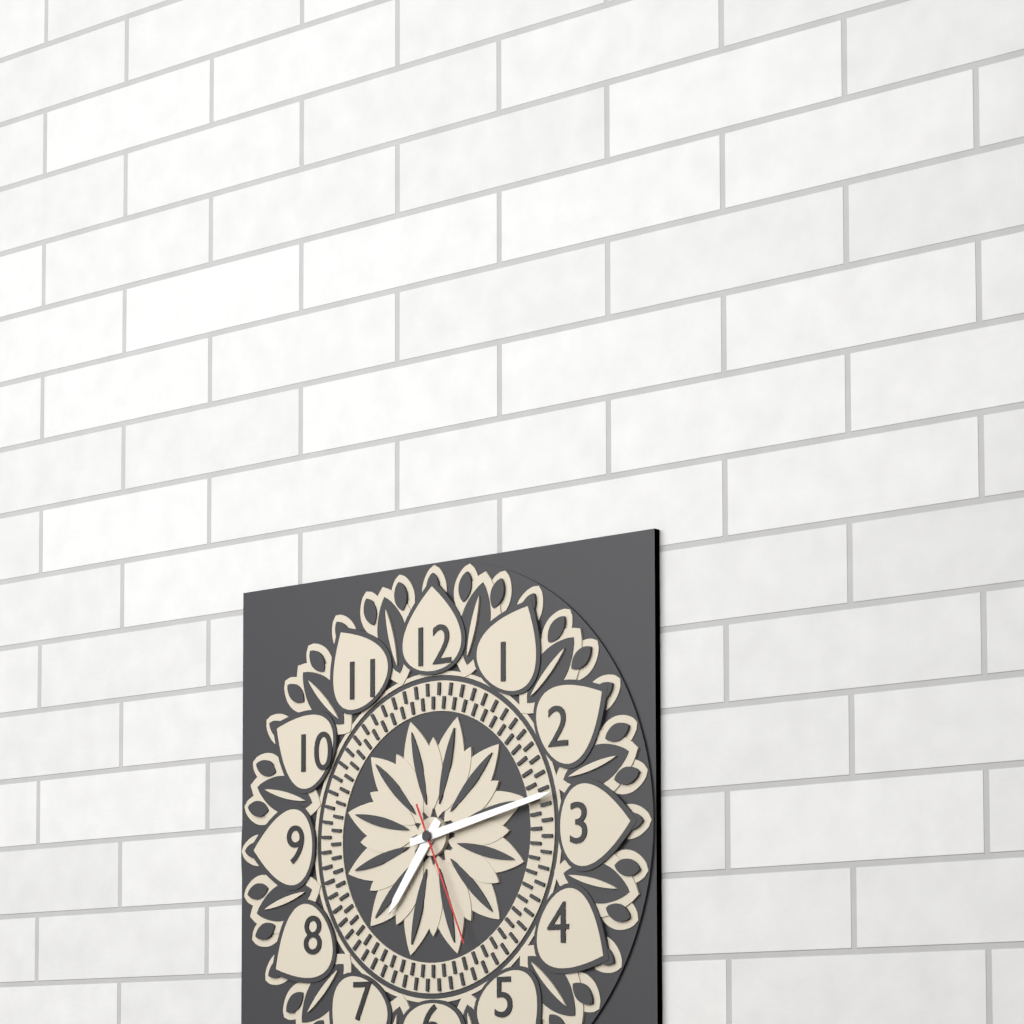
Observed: 7.13.26
